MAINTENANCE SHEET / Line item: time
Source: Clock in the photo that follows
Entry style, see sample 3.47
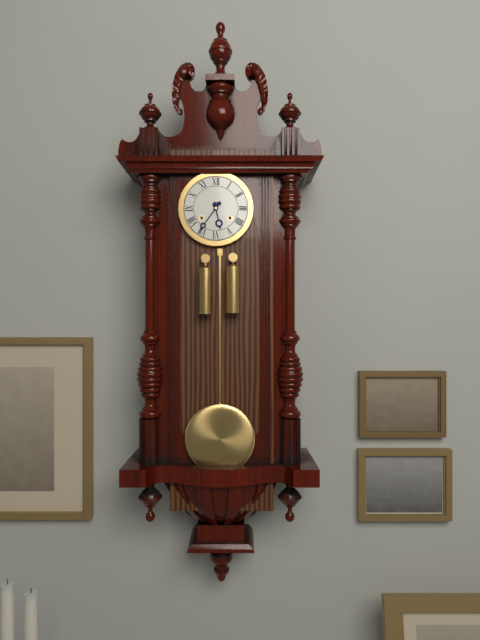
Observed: 5.36
